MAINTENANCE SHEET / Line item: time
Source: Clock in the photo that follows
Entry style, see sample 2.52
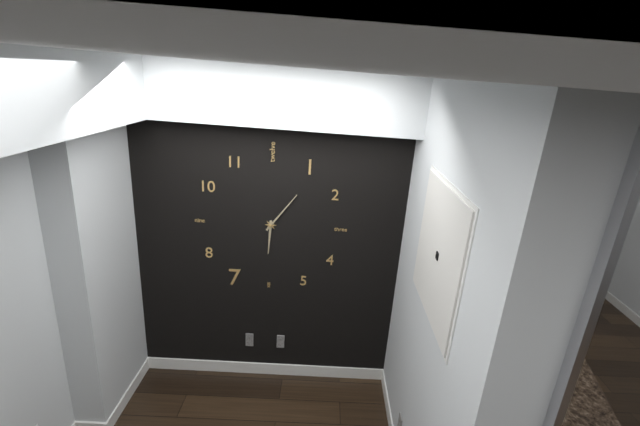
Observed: 6.06
